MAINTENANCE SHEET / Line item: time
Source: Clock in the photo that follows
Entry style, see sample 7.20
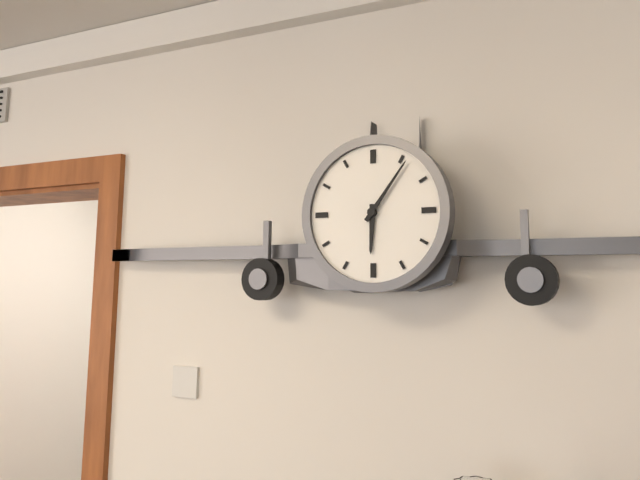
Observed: 6.06
